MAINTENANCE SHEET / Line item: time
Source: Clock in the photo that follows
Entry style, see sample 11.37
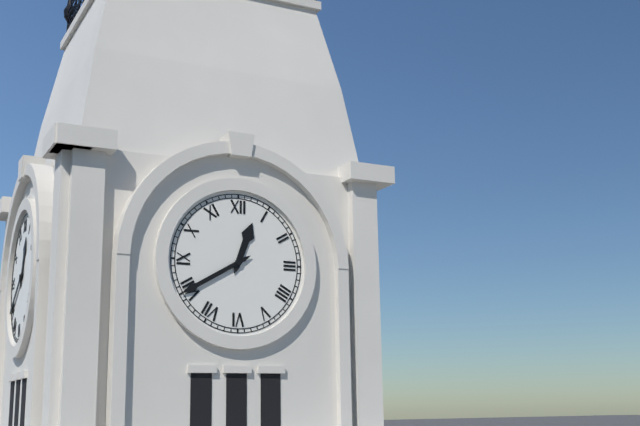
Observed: 12.40
